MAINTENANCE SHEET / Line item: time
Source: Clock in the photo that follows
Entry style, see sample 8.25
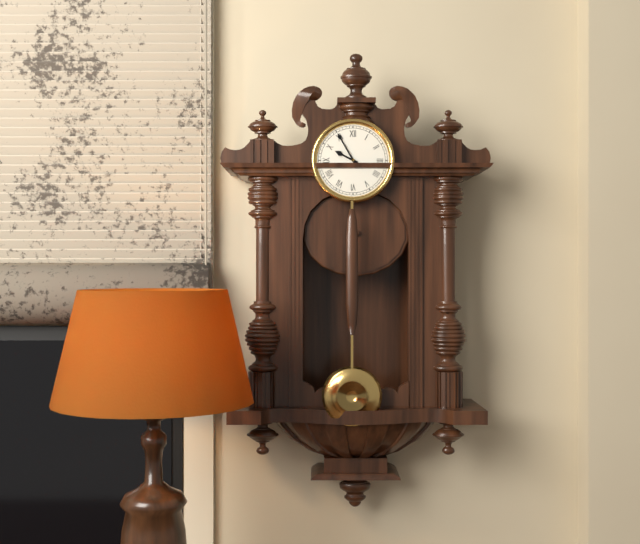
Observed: 9.55
